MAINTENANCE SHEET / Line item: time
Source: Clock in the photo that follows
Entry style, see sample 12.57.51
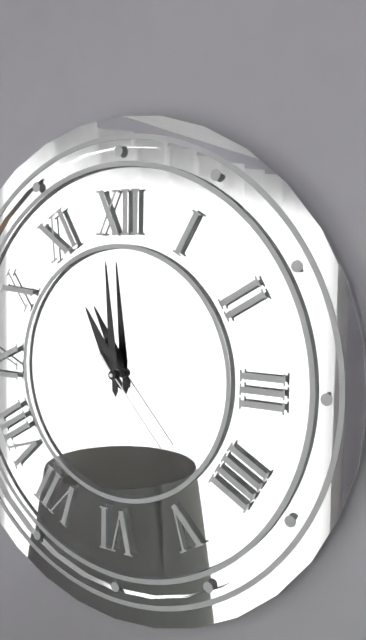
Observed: 10.59.23
